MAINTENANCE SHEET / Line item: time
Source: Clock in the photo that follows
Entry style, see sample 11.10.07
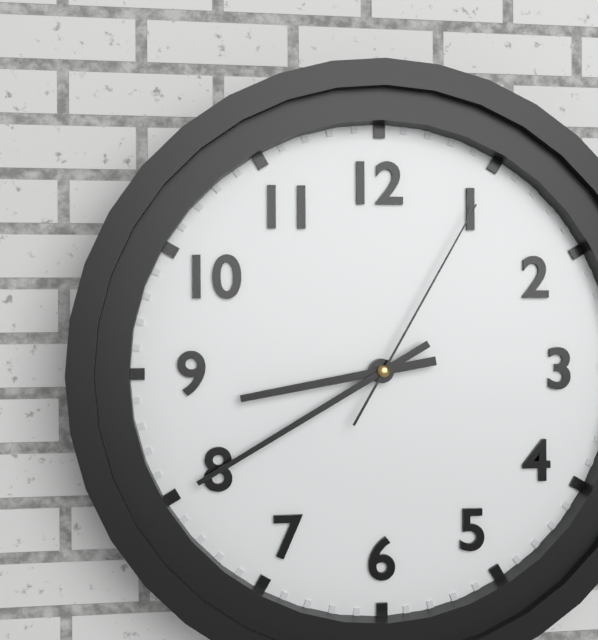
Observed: 8.40.05
